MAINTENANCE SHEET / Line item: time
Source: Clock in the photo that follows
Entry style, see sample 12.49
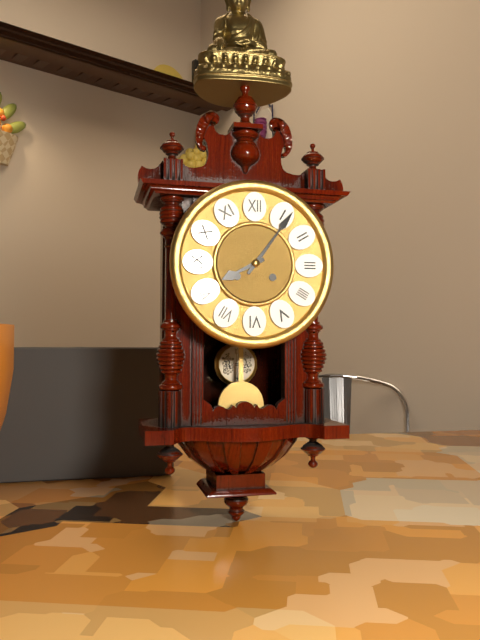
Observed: 8.06
